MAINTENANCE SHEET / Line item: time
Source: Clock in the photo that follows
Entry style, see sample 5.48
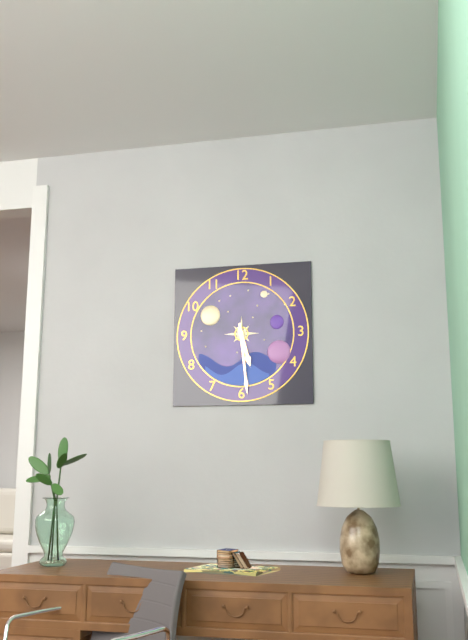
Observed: 5.29
